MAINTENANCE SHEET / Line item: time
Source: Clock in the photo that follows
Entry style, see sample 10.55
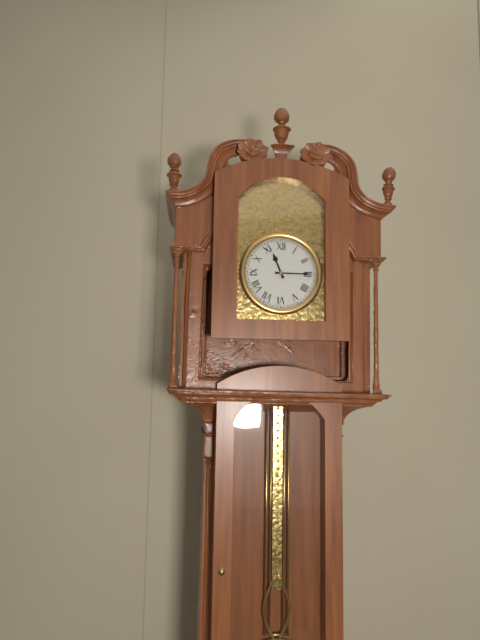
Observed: 11.15
